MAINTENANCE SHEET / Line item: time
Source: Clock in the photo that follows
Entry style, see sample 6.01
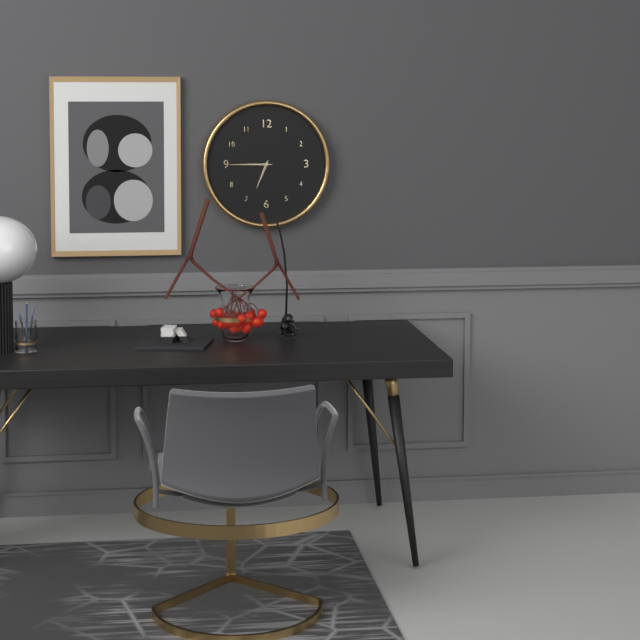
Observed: 6.45
